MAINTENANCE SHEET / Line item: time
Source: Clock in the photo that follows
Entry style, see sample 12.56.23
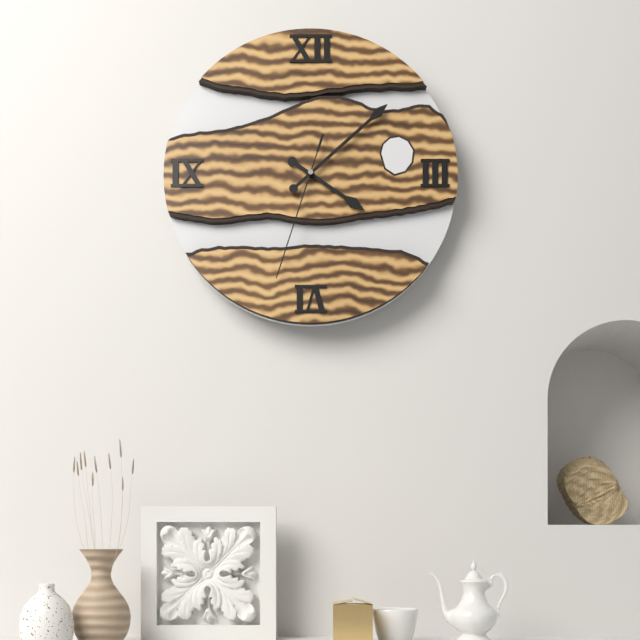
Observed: 4.08.33
